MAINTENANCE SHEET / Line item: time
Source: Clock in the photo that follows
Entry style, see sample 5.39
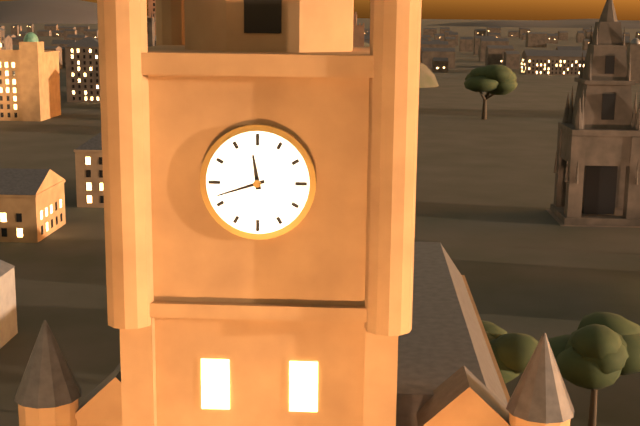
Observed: 11.42
